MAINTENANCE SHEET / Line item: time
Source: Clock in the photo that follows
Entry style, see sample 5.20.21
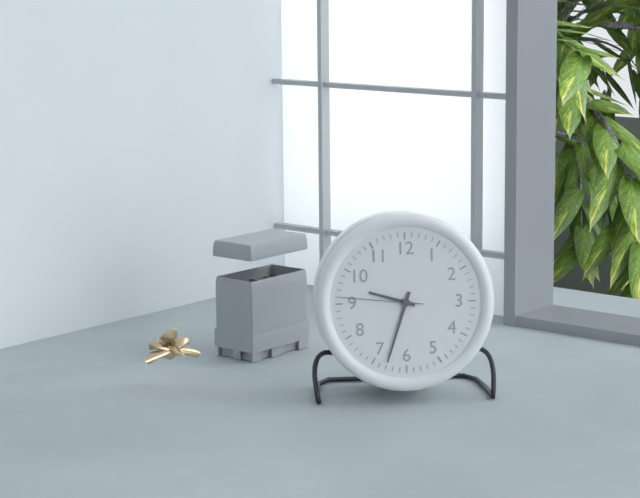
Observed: 9.33.46
